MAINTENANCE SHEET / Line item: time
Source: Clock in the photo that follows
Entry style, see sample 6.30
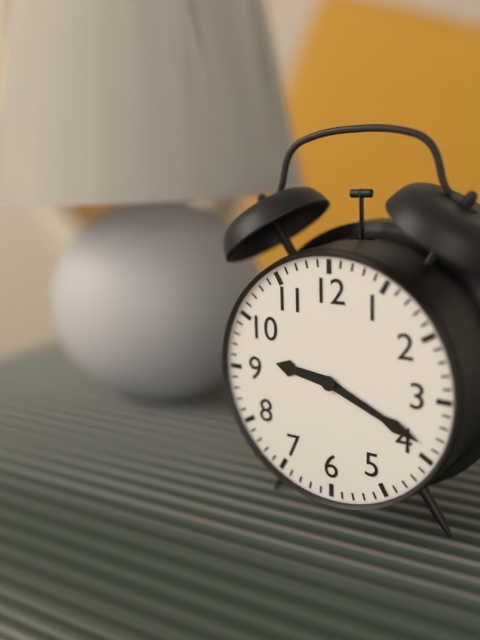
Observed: 9.19
